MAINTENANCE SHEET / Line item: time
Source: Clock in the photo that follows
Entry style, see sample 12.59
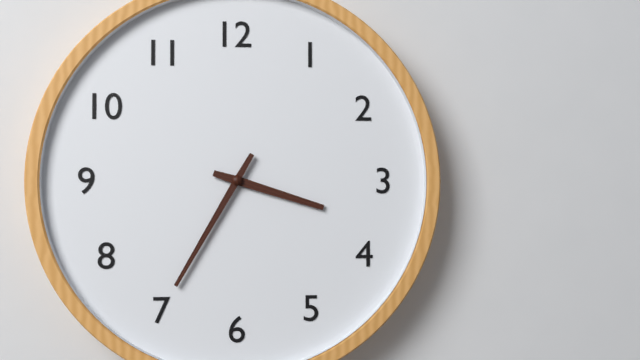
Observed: 3.35
